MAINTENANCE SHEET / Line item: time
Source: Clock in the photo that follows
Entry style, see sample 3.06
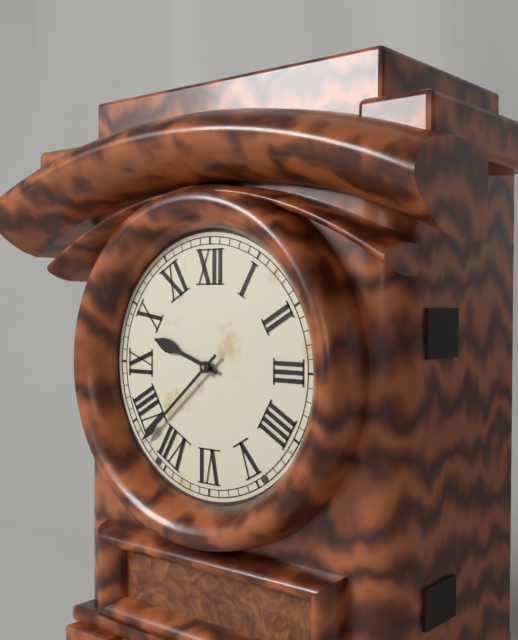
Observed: 9.38
